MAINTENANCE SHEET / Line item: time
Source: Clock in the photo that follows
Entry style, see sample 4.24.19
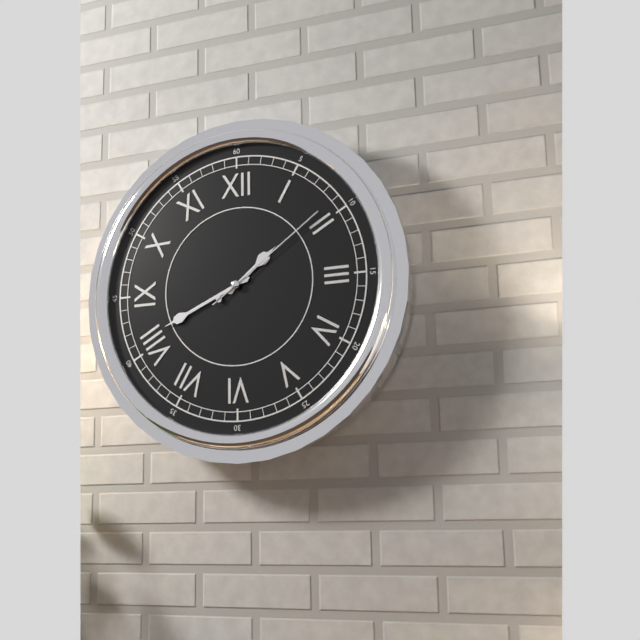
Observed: 1.41.09
